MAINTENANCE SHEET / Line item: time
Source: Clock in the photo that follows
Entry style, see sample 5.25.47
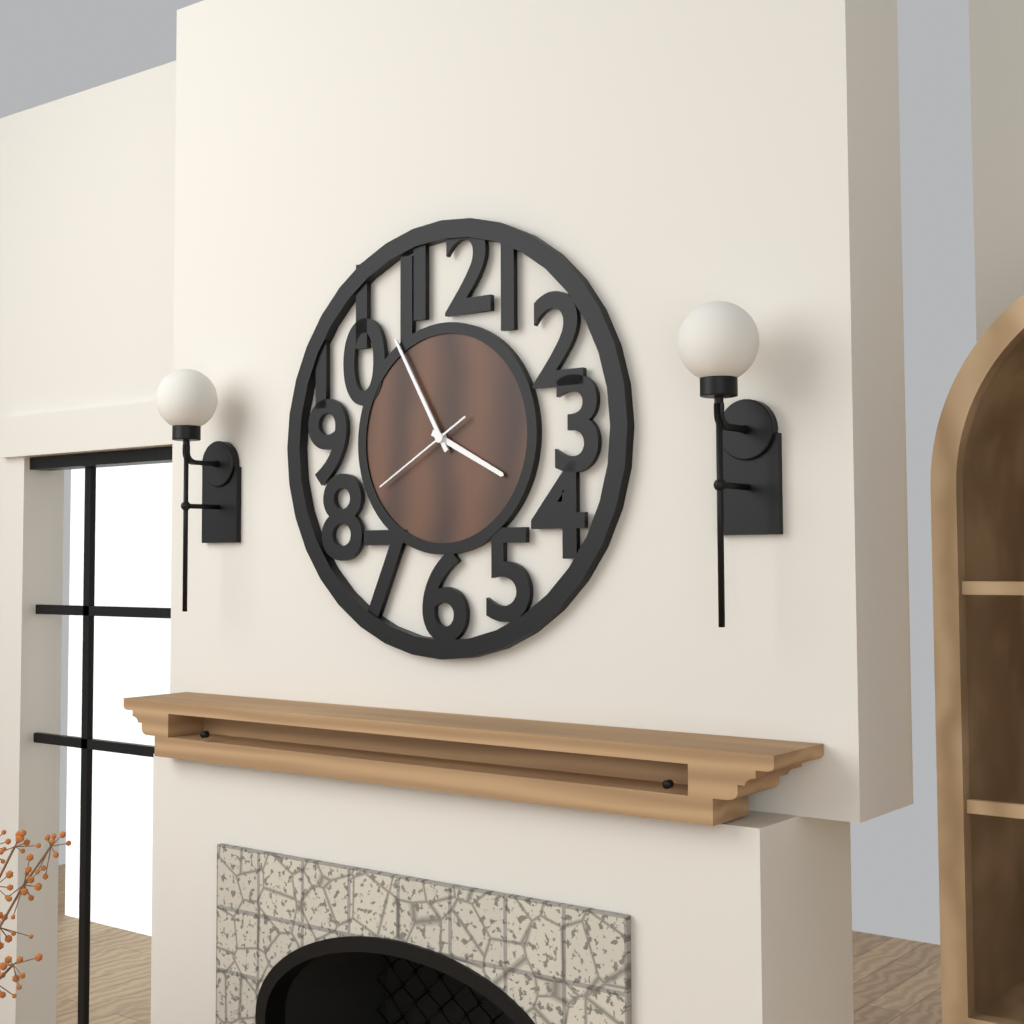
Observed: 3.55.40
